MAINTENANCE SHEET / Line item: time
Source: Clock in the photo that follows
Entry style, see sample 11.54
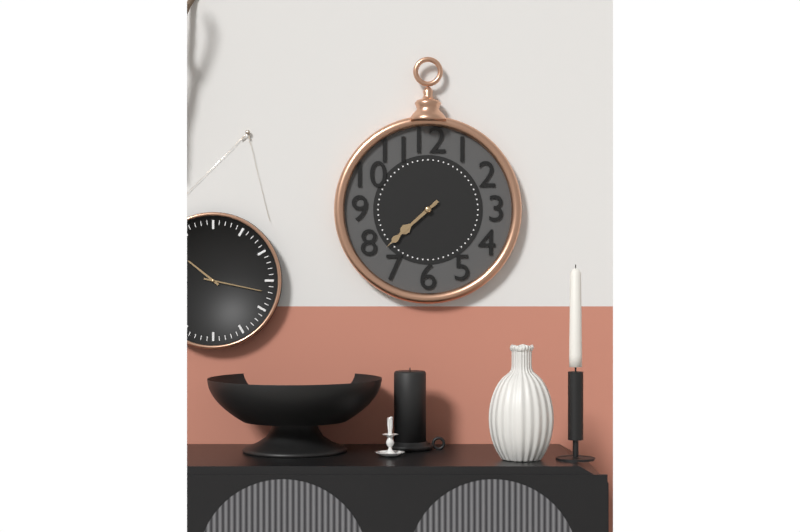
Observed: 7.38
